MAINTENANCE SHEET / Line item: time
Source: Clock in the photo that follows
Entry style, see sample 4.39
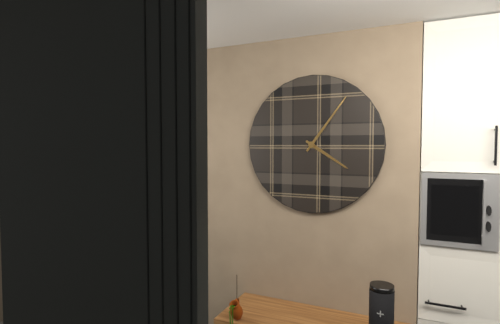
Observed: 4.06
